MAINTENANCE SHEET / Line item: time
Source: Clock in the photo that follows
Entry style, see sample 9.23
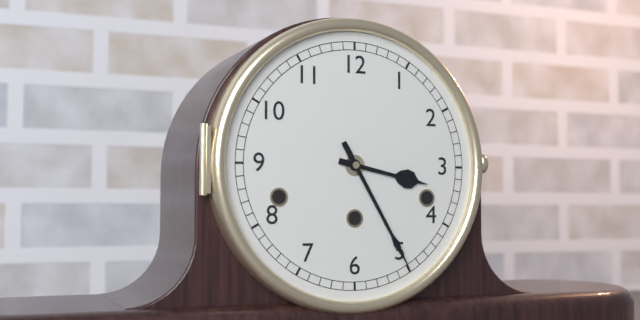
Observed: 3.25
